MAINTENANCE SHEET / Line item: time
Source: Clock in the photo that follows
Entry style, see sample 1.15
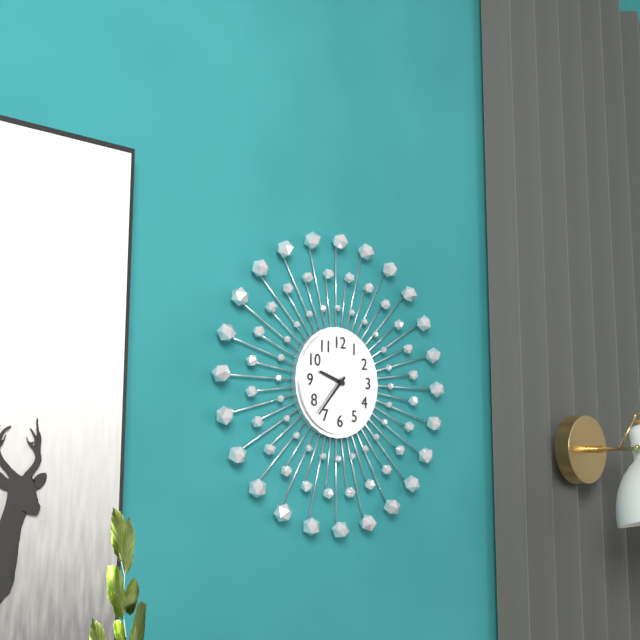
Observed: 9.37
